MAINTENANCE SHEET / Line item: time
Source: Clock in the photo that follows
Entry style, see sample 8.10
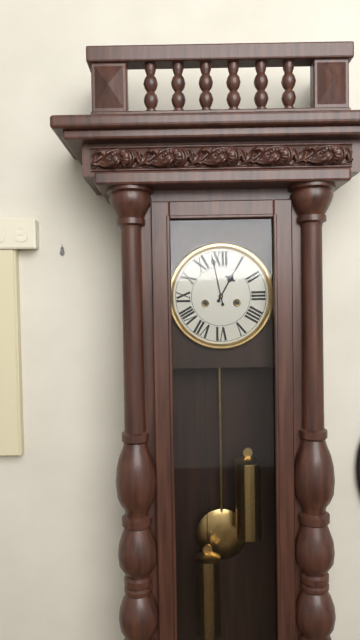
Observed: 12.58
